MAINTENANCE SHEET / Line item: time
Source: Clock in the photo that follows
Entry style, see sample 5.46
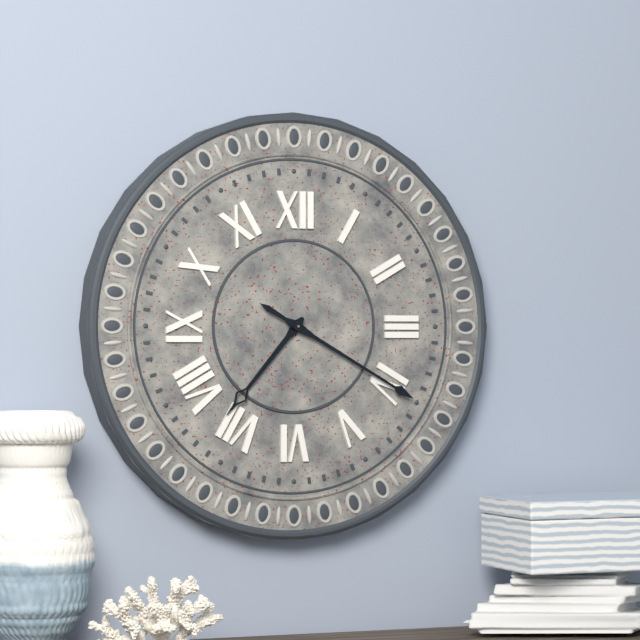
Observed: 7.20
